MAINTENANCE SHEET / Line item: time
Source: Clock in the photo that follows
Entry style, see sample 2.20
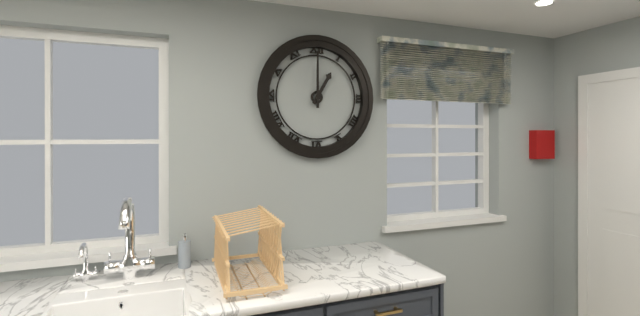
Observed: 1.00
